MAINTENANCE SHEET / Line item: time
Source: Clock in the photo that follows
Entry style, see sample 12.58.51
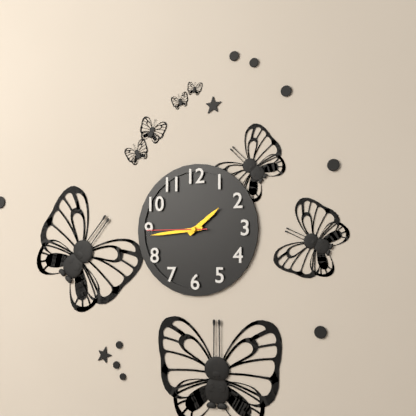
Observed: 1.44.45
